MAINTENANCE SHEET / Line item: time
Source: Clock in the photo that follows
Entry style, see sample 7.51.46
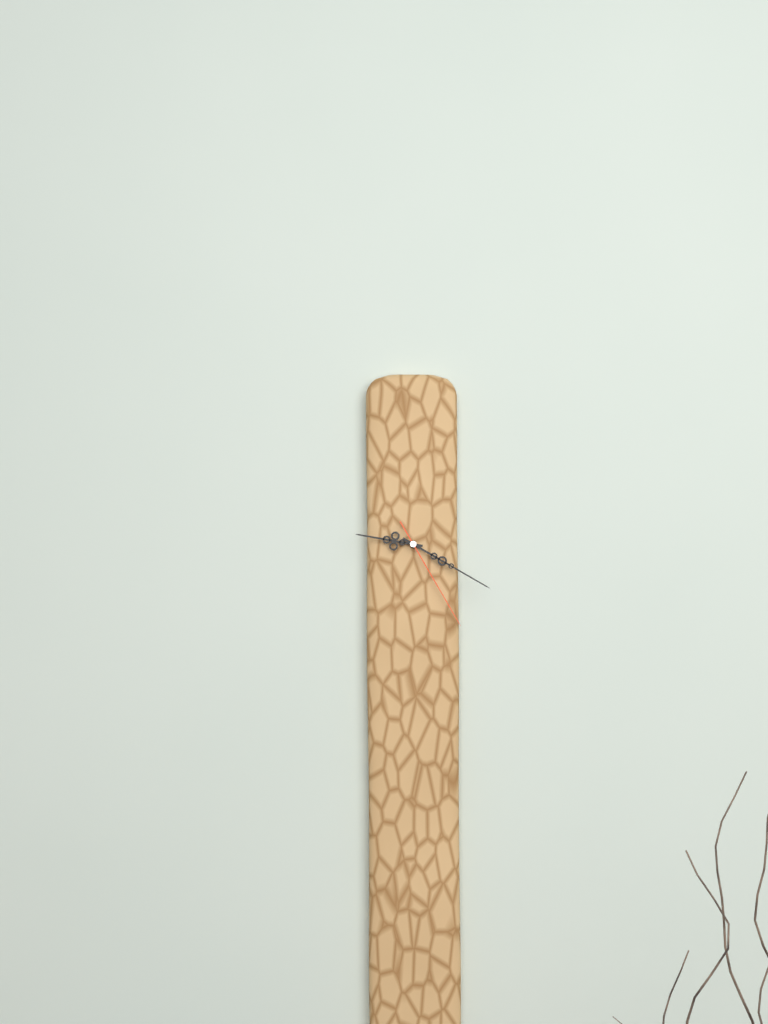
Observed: 9.20.25
